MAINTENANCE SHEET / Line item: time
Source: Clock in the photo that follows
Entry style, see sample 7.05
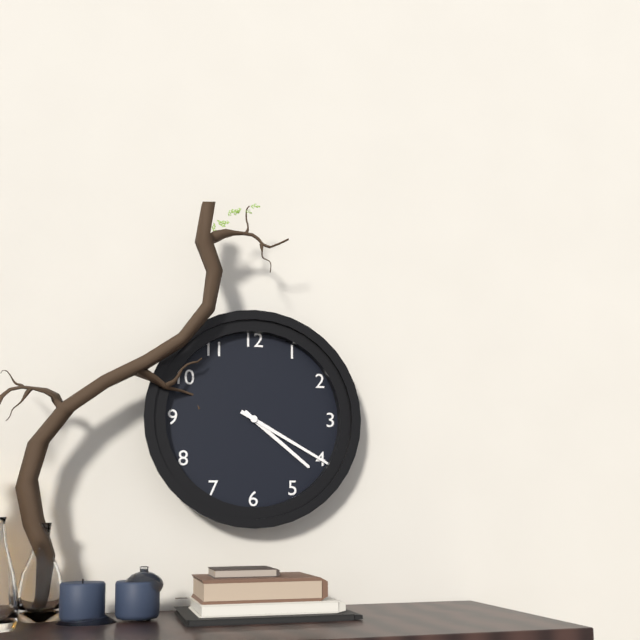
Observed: 4.20
